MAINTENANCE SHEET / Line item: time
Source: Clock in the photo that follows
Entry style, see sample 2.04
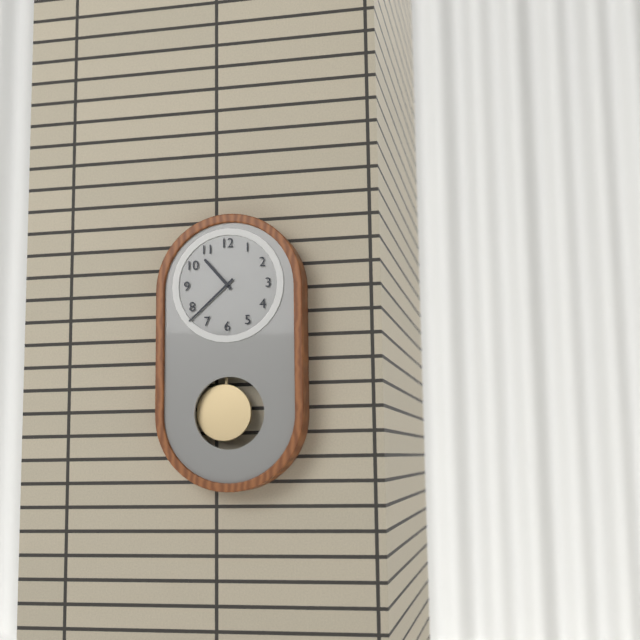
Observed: 10.38
